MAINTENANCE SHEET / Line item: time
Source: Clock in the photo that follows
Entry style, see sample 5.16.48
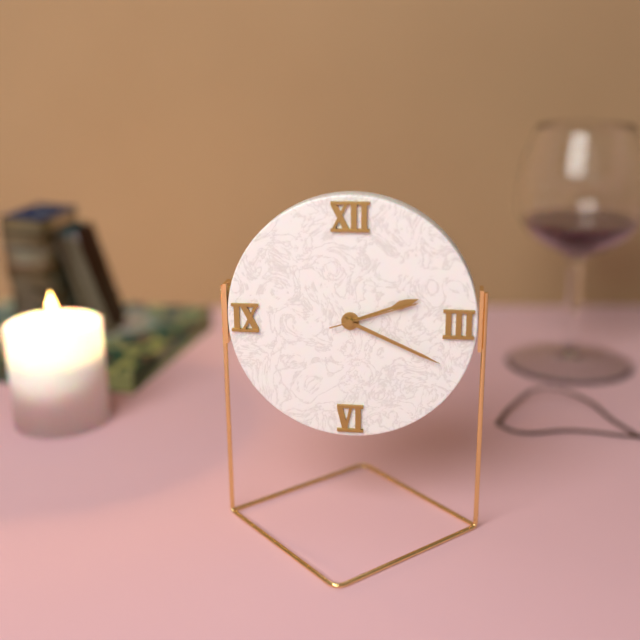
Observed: 2.19.12
